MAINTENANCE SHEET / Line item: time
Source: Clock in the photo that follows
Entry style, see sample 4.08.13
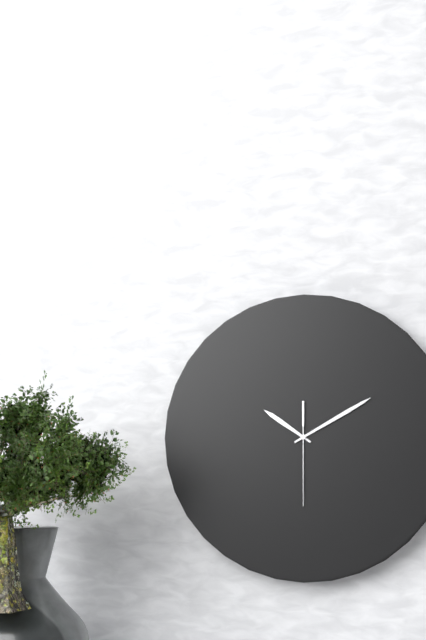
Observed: 10.10.30
